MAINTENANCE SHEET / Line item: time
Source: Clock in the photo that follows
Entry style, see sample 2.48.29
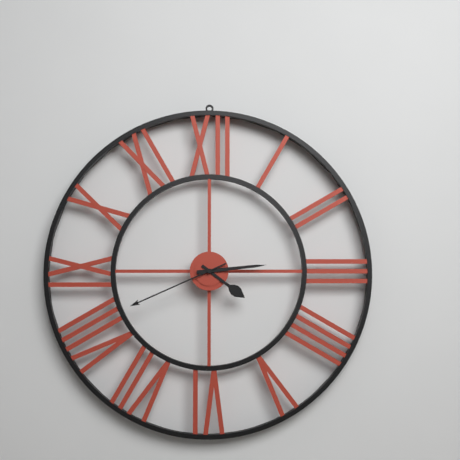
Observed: 4.14.41
